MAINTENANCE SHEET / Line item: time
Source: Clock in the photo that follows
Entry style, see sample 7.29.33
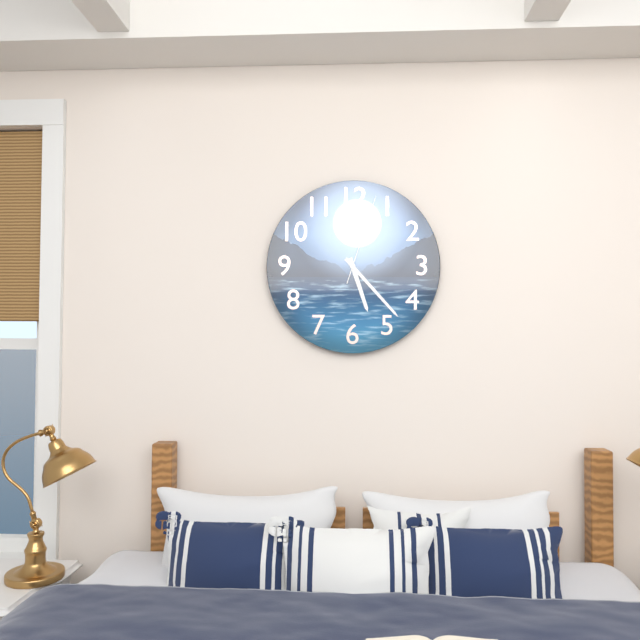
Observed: 5.23.03
